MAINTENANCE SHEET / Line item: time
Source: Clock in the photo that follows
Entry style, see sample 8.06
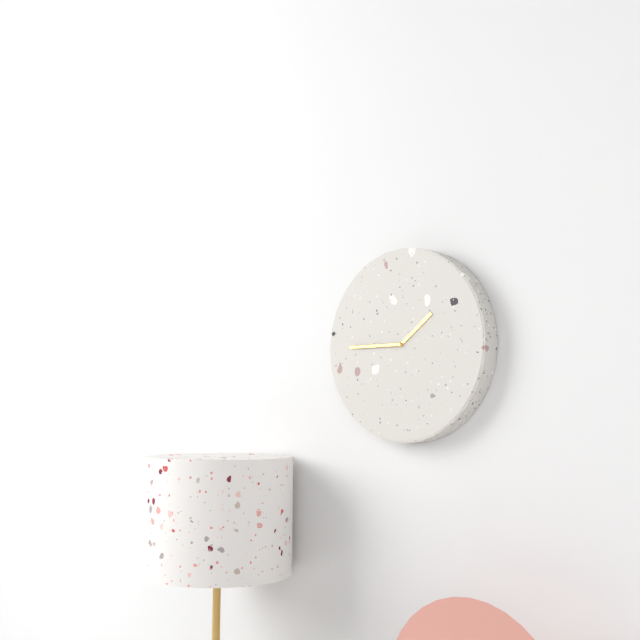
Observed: 1.45
